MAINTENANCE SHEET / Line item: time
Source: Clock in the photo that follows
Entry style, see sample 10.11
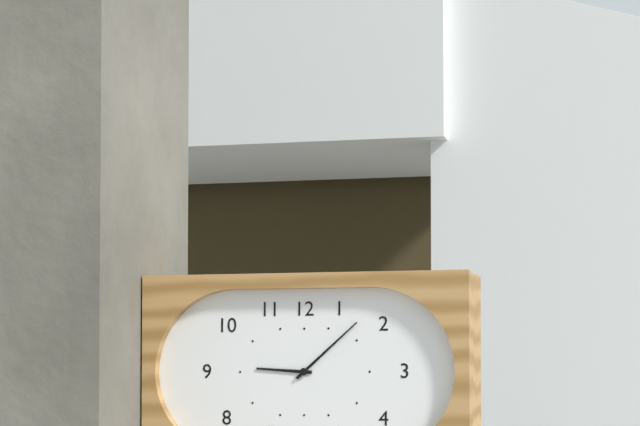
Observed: 9.08
